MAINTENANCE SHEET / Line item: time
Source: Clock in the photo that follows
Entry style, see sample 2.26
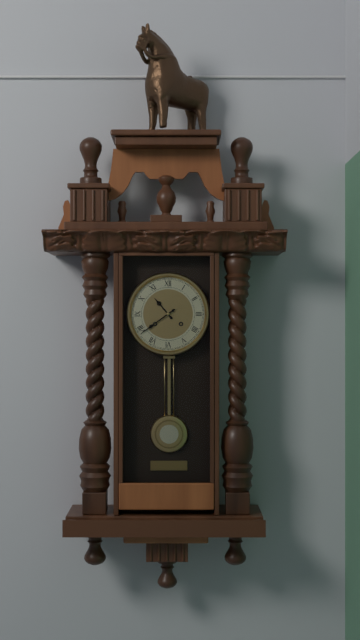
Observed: 10.39
